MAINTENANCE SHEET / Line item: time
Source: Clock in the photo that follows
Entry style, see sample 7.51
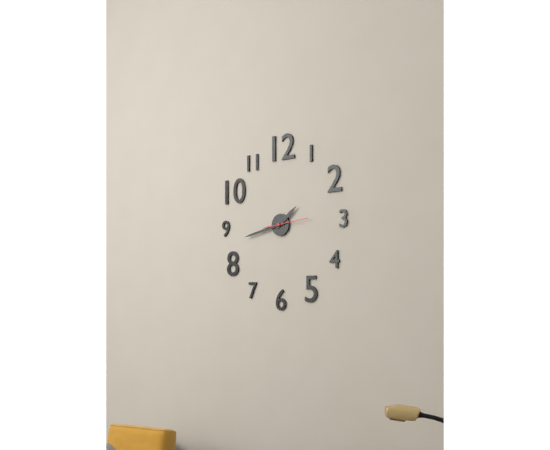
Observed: 1.43
